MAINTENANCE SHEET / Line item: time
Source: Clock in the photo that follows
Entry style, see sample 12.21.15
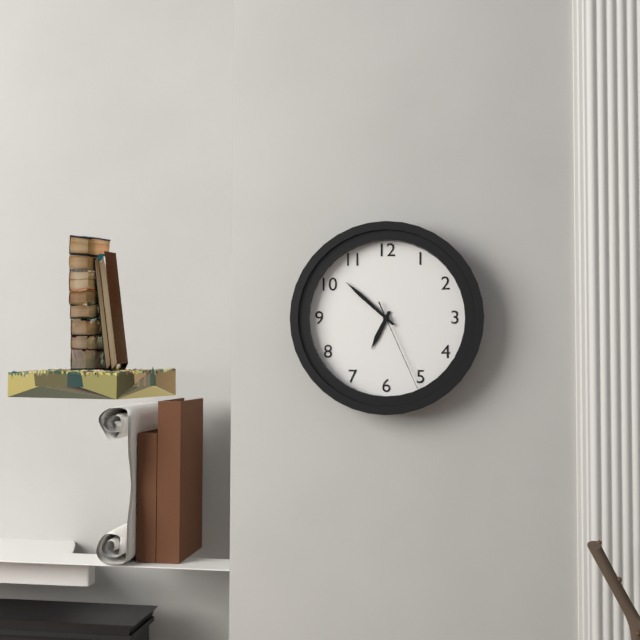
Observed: 6.52.26
